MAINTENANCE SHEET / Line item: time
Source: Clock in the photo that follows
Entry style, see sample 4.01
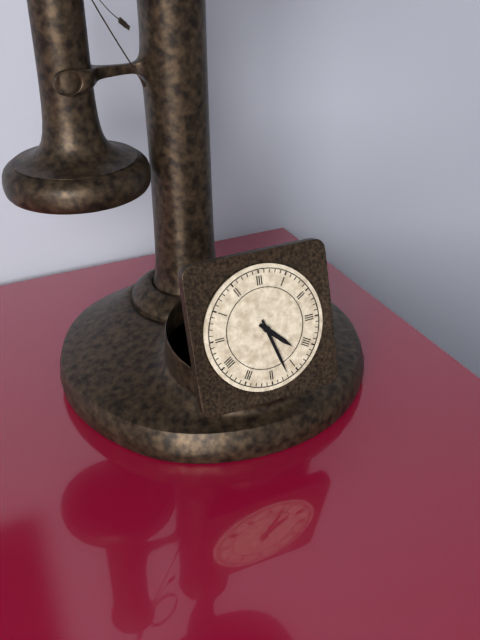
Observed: 4.27
